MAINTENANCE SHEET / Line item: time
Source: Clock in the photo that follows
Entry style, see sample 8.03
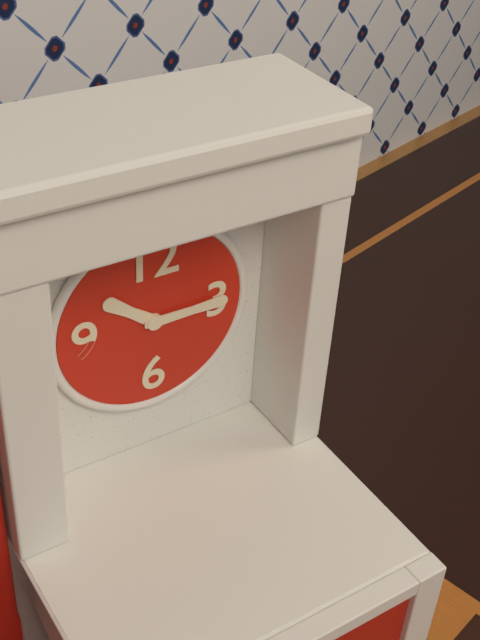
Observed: 10.15
